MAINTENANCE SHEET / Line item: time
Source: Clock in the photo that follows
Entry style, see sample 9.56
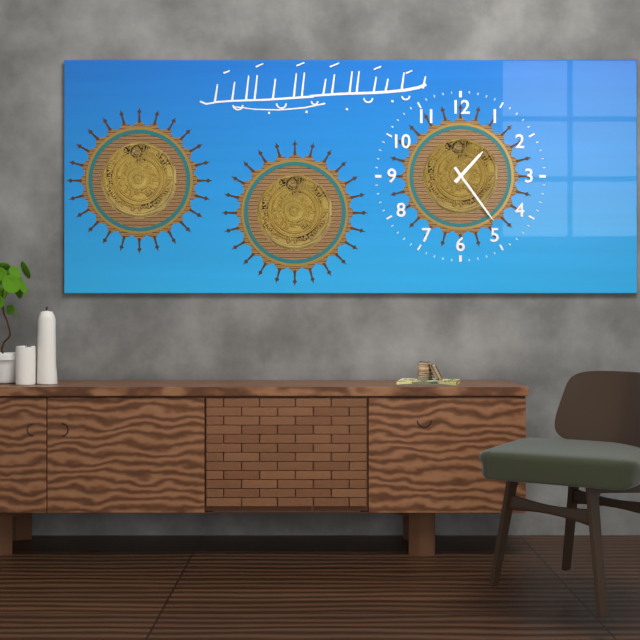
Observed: 1.24
